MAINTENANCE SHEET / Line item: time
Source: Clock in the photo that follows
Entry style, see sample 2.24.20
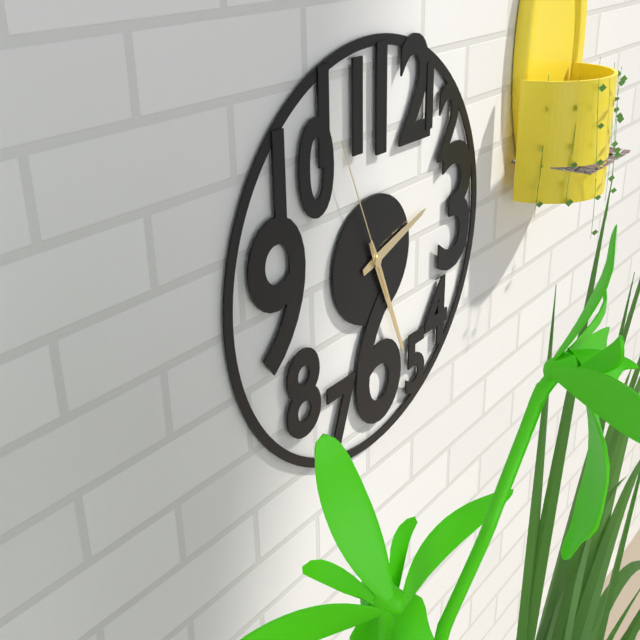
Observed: 2.26.56
